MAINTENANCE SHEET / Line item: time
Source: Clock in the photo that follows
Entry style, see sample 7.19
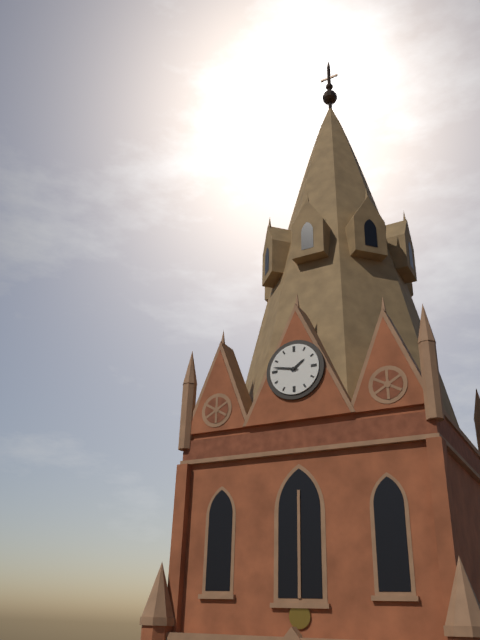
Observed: 1.47
